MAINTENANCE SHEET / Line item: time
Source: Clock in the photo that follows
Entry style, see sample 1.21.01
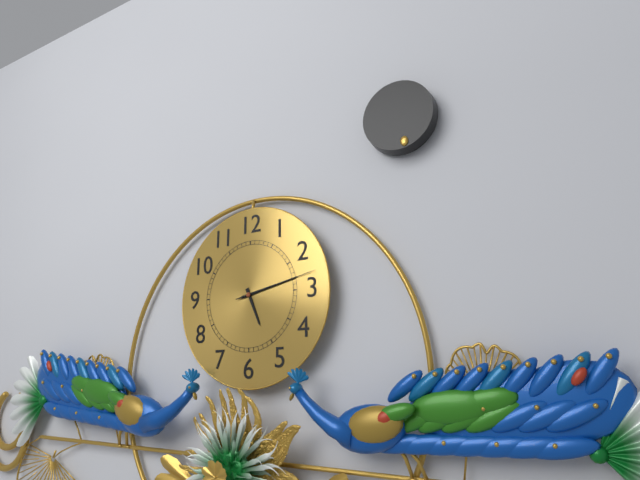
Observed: 5.13.13
